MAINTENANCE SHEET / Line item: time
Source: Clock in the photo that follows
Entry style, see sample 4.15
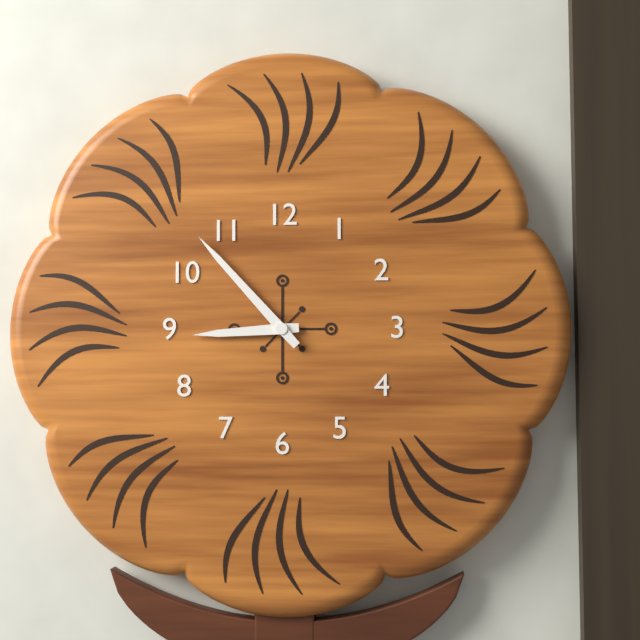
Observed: 8.53
